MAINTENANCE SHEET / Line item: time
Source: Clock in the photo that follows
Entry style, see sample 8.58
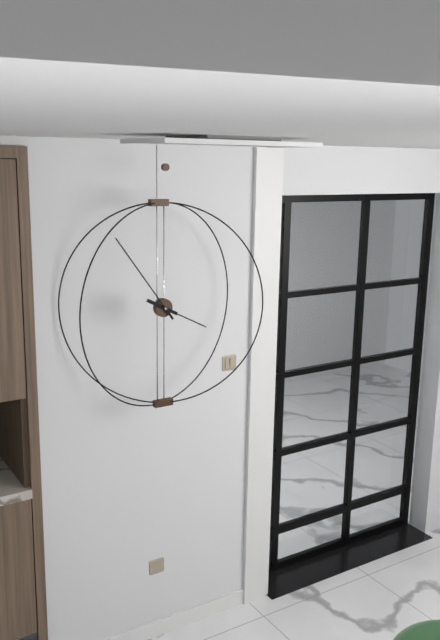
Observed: 3.54
